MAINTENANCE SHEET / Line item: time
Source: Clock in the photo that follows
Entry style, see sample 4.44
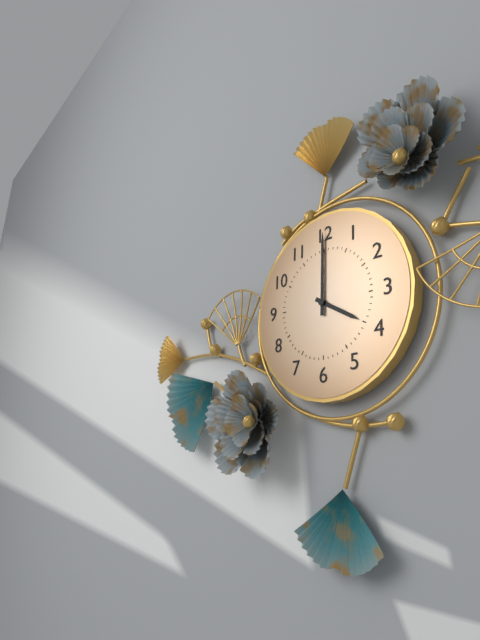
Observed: 4.00
